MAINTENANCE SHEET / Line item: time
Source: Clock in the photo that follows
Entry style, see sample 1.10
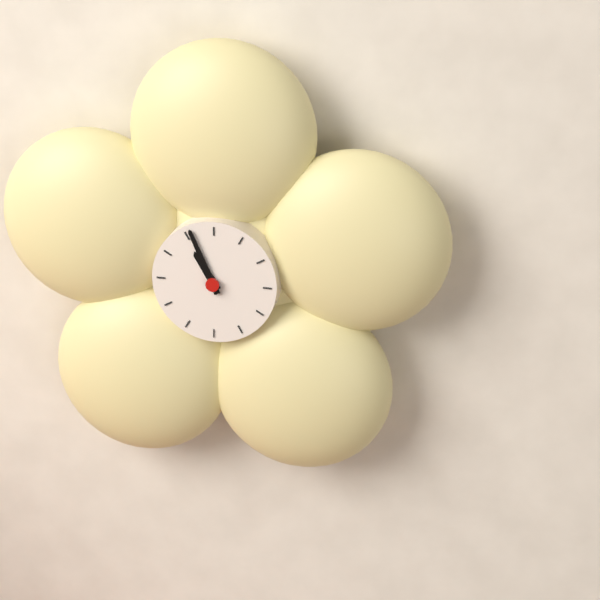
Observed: 10.56
